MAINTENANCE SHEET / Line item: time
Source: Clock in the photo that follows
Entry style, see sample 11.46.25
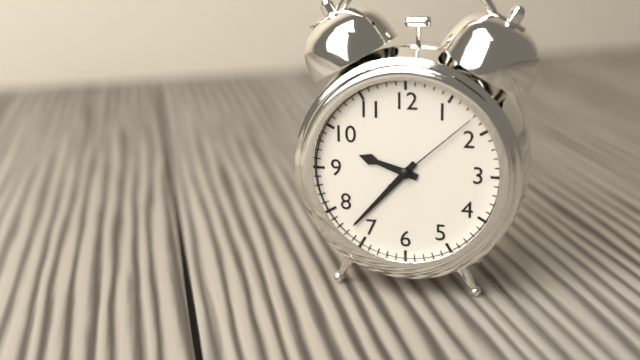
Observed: 9.37.08
